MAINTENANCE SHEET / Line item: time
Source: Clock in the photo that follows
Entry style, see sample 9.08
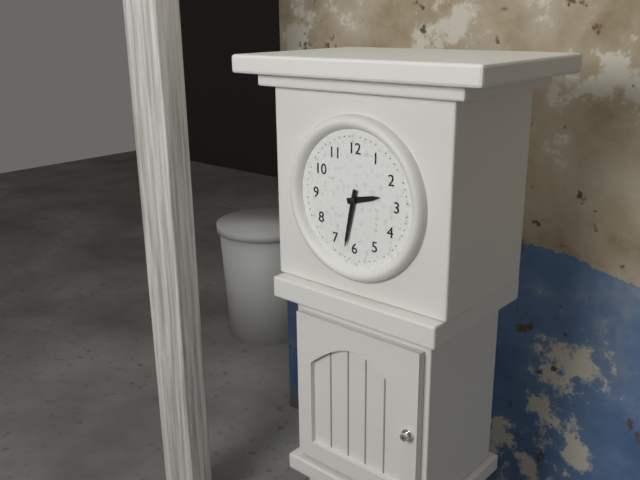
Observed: 2.32
